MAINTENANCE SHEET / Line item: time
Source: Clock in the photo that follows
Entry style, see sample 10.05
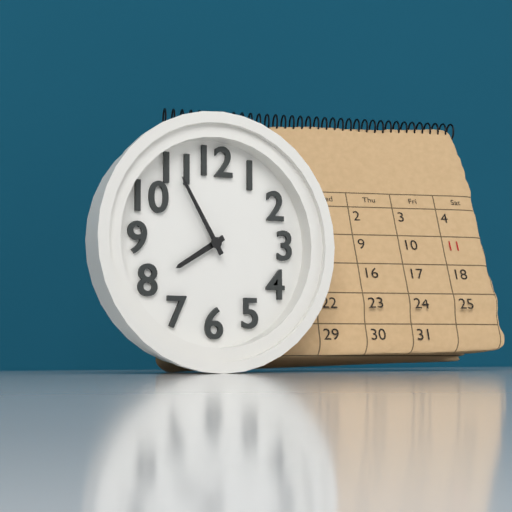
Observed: 7.55
